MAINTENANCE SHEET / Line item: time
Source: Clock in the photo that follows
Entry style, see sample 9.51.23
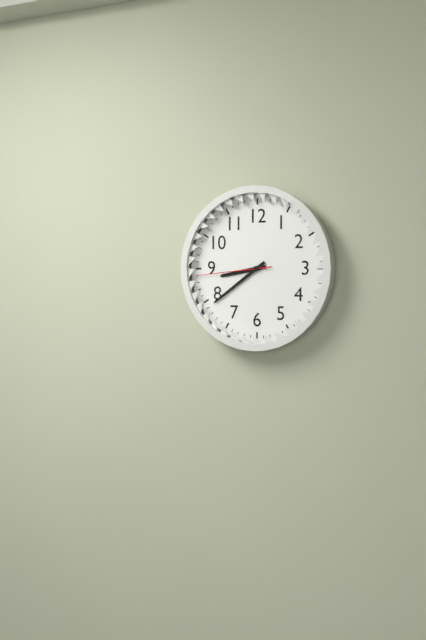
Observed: 8.39.44
